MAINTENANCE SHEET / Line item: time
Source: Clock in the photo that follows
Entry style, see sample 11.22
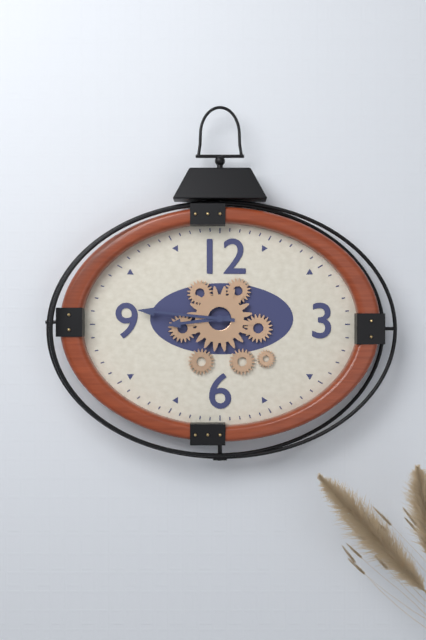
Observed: 8.46
